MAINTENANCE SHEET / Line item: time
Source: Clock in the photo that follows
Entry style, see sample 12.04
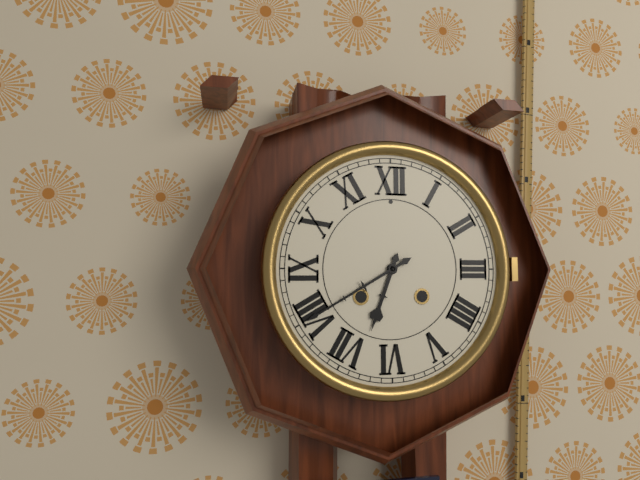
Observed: 6.40
